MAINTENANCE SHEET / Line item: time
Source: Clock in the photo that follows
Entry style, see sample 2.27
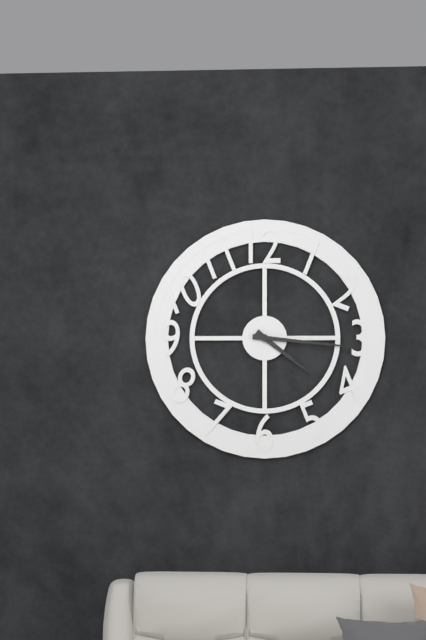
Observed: 4.16
